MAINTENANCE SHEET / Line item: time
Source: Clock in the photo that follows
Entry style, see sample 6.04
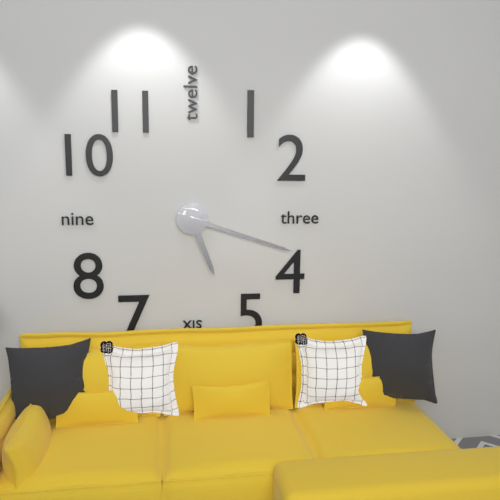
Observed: 5.18
